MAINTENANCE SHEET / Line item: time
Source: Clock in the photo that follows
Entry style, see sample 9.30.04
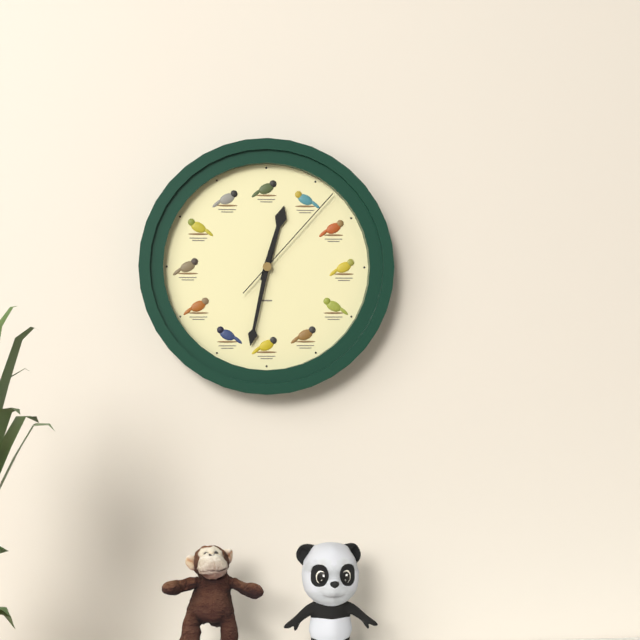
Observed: 12.32.07
